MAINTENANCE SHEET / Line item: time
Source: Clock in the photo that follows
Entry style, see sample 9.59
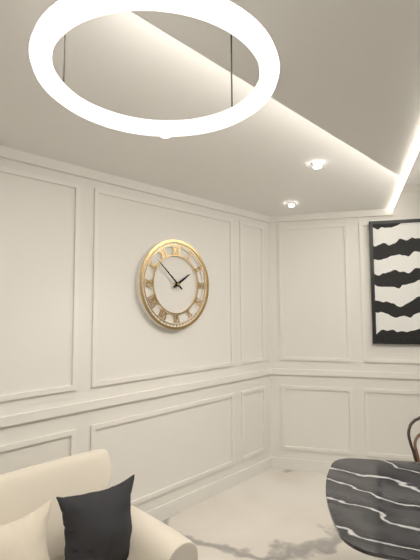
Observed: 1.52
